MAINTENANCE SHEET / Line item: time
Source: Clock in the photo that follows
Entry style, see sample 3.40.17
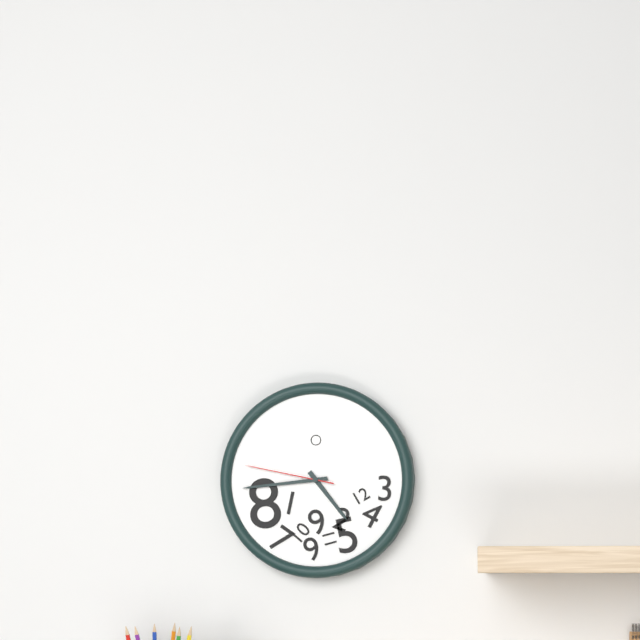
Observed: 4.44.47
